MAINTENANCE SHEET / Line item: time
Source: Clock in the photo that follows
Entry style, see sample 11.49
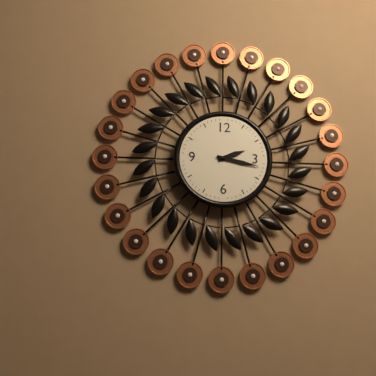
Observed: 2.17
